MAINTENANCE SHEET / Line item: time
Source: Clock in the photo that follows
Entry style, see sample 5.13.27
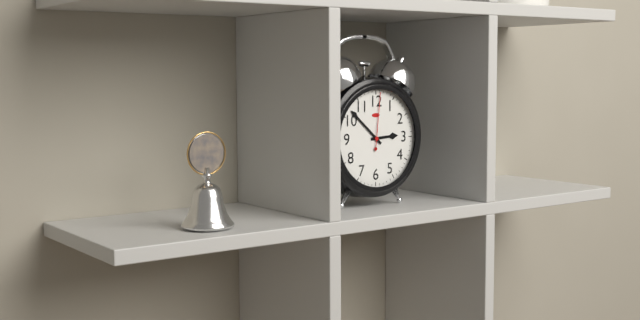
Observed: 2.52.01
